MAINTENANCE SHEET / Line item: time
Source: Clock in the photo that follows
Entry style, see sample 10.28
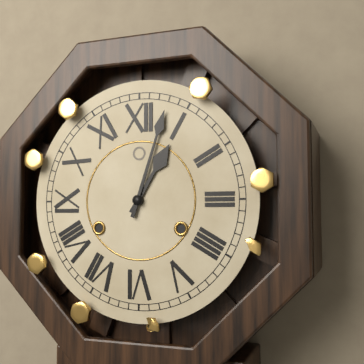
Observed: 1.03
